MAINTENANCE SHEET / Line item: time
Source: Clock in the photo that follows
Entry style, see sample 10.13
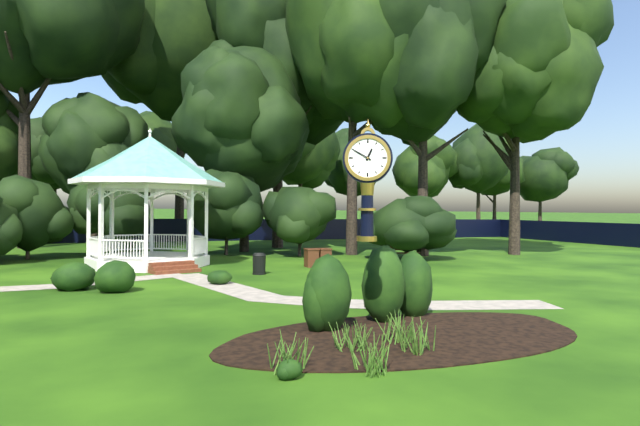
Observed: 12.50
